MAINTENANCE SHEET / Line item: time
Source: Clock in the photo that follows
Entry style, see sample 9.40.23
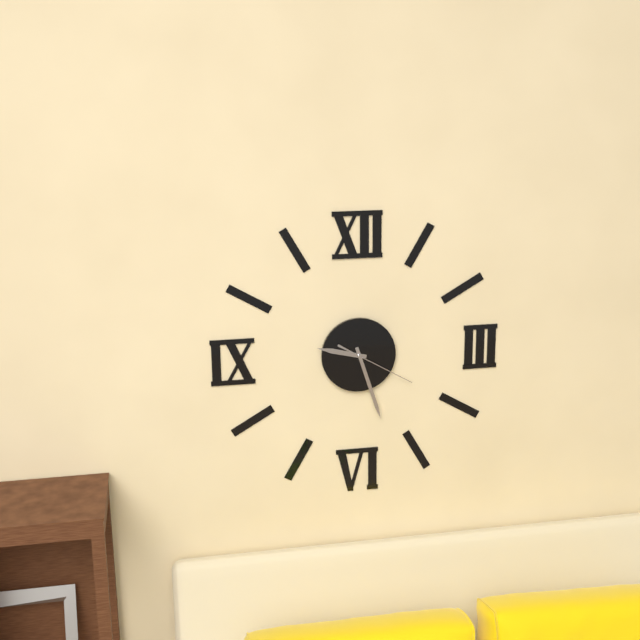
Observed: 9.27.20
